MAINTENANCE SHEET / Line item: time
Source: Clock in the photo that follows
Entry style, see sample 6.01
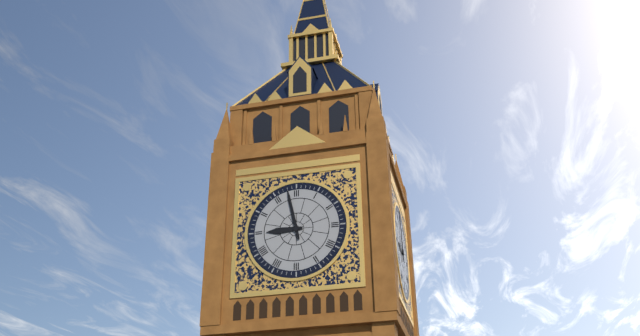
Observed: 8.58
